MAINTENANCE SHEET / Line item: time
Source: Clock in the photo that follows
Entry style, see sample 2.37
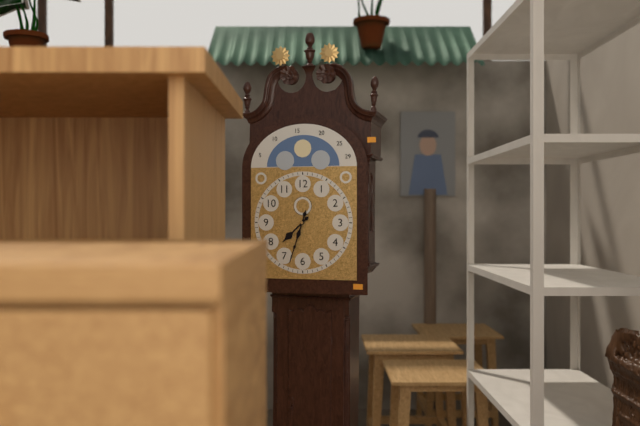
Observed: 7.33
